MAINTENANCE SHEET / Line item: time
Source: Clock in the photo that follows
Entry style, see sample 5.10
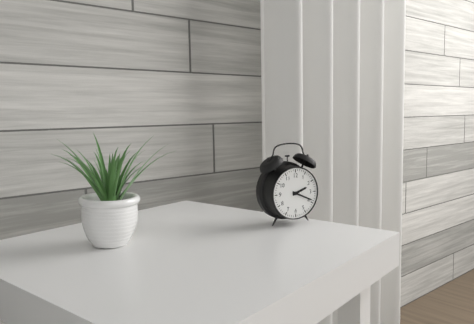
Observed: 2.19
